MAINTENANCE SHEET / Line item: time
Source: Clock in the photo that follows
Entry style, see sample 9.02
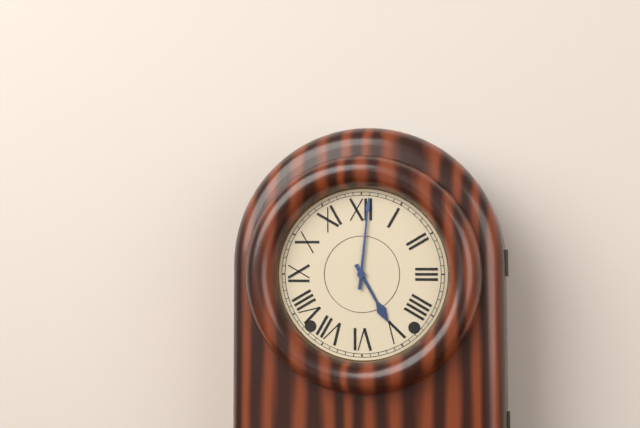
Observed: 5.01
